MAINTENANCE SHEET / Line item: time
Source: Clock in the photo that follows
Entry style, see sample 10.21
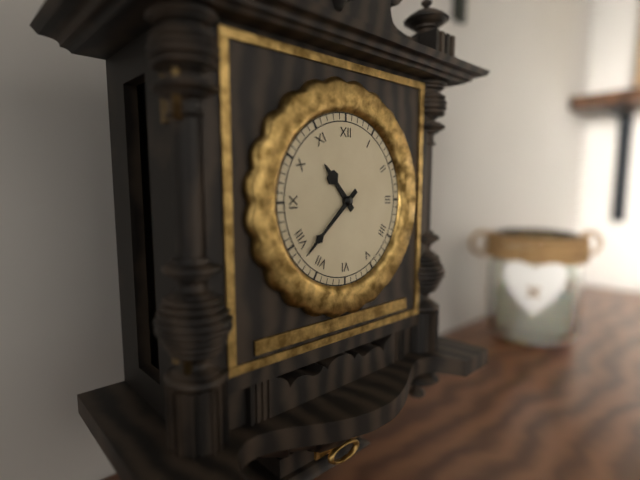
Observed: 10.38
